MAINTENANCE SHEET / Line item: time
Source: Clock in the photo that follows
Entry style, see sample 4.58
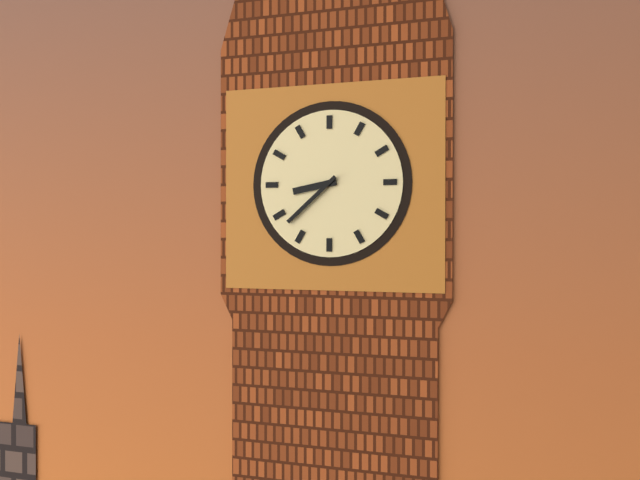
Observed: 8.38
